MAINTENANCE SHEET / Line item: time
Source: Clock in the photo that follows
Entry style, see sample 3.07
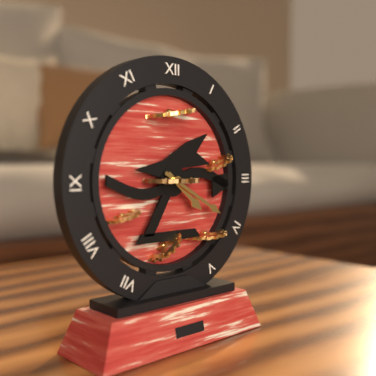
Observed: 4.20
